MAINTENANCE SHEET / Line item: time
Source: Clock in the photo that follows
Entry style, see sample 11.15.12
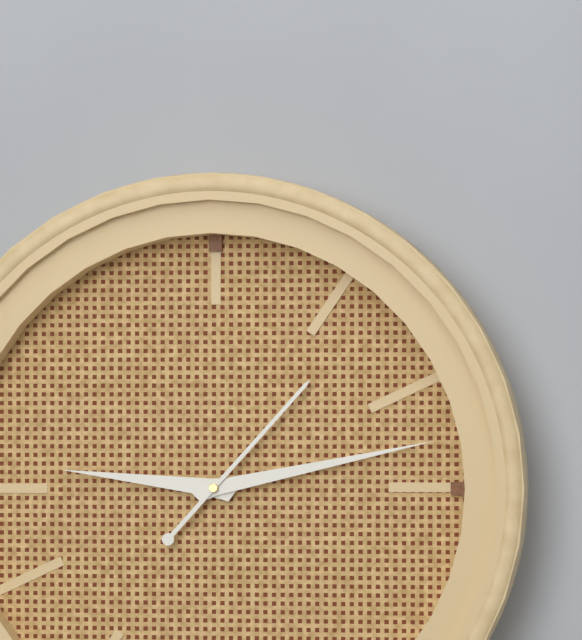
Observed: 9.13.07
